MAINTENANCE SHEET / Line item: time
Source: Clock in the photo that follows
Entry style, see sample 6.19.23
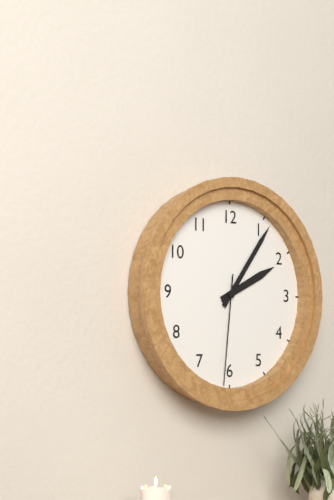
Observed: 2.06.31
